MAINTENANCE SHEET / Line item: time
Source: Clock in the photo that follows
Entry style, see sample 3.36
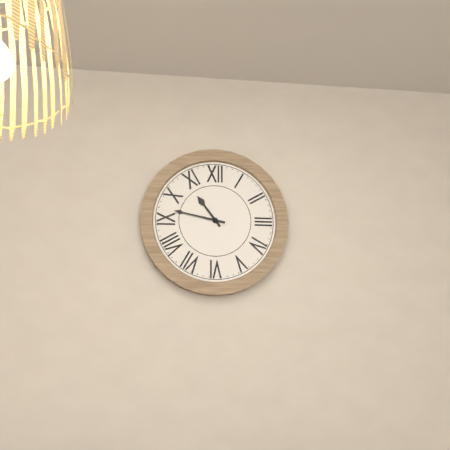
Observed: 10.47
